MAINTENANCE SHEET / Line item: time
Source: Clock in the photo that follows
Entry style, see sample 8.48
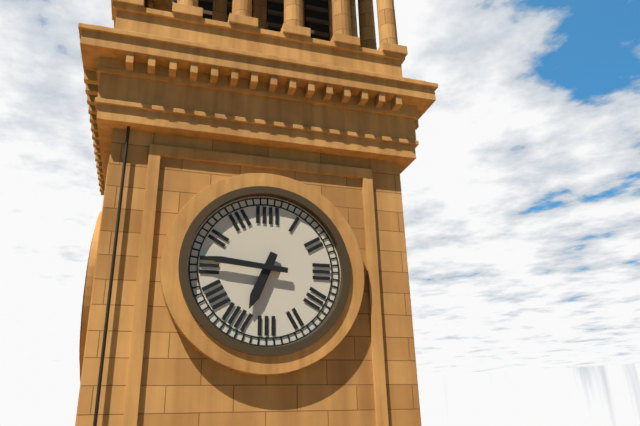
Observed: 6.46
